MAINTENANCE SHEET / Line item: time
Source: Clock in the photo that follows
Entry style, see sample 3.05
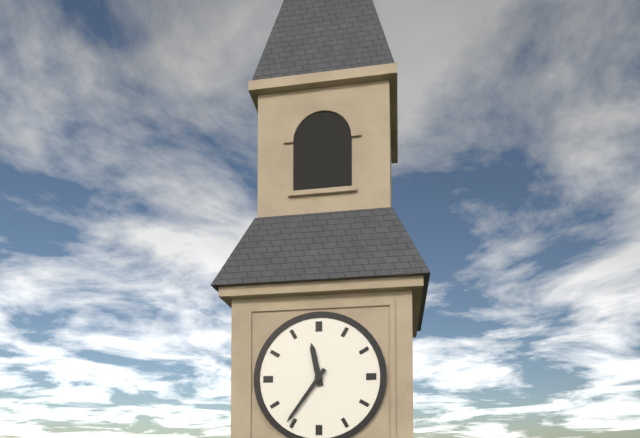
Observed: 11.36
